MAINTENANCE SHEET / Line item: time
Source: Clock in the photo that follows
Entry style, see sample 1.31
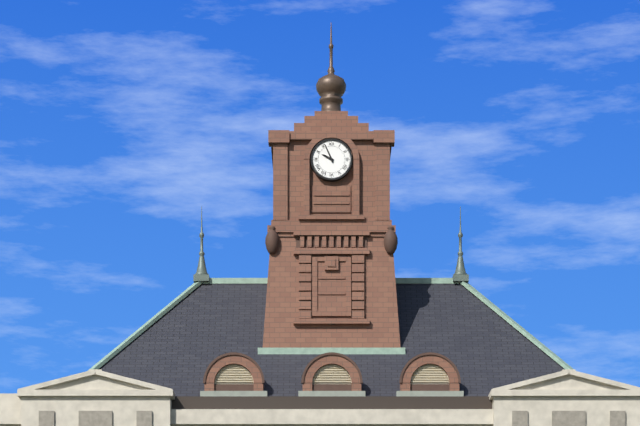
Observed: 9.56
